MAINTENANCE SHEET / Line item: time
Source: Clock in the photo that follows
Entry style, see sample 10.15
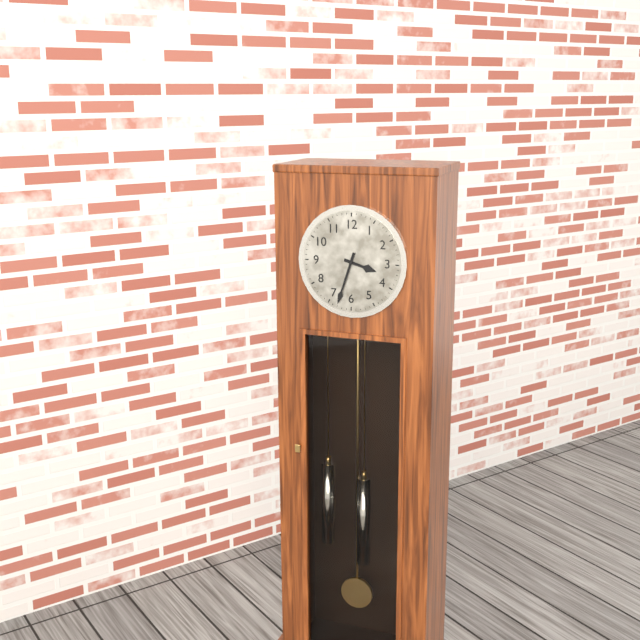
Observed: 3.33
